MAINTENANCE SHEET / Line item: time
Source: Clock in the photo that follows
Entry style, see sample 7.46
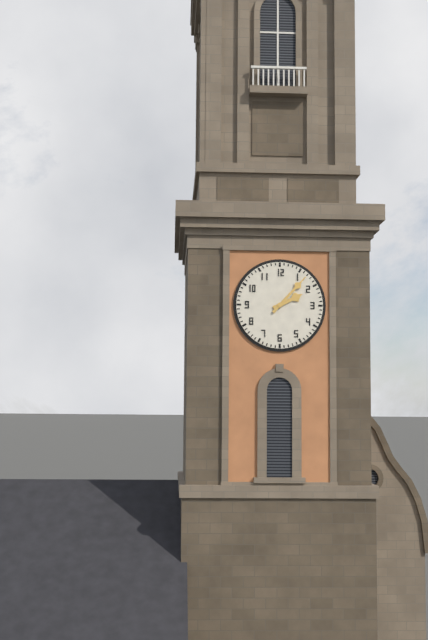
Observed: 2.07
